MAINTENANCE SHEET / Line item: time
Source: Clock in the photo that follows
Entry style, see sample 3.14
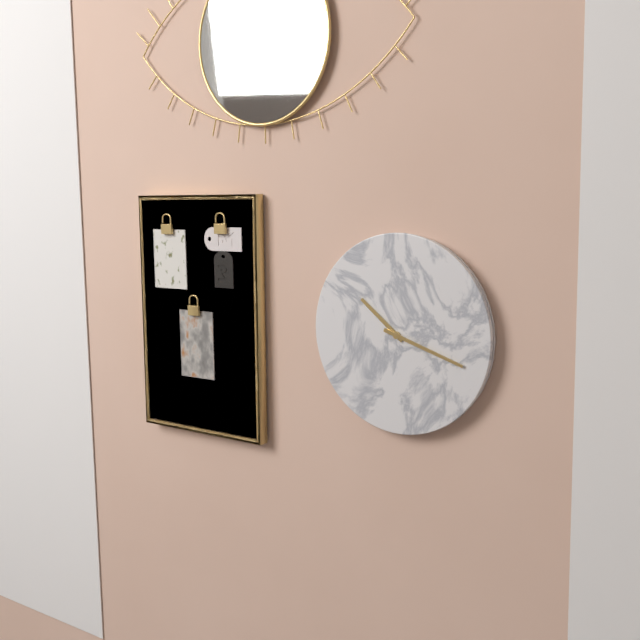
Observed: 10.18
